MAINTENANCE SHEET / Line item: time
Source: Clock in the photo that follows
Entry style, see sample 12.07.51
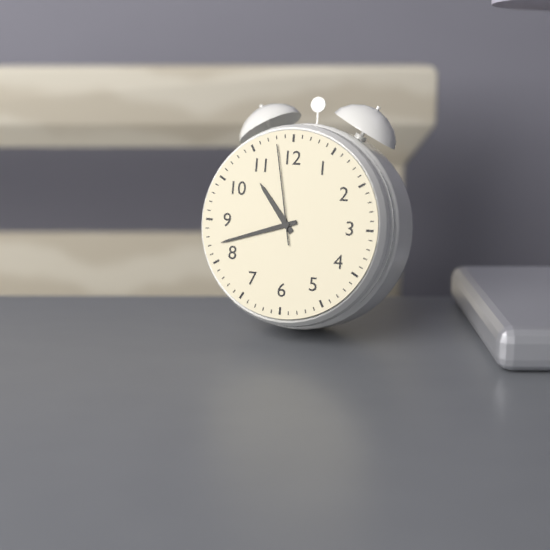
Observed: 10.42.58
